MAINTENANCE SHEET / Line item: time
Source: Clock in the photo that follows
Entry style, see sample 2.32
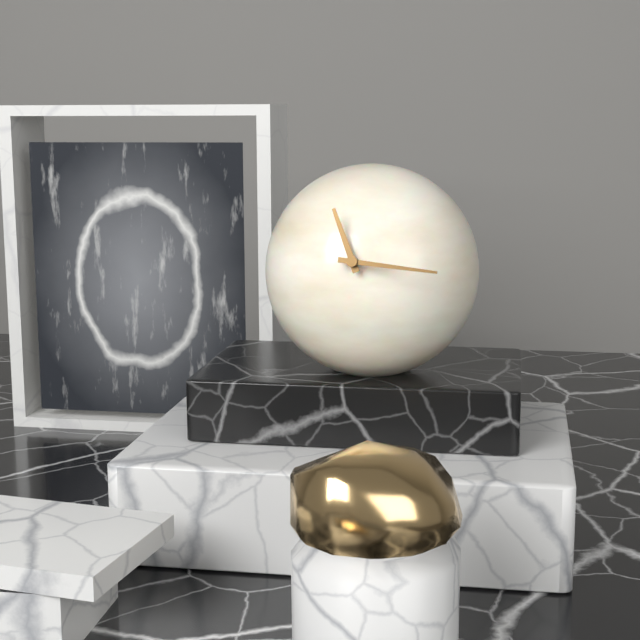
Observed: 11.16
